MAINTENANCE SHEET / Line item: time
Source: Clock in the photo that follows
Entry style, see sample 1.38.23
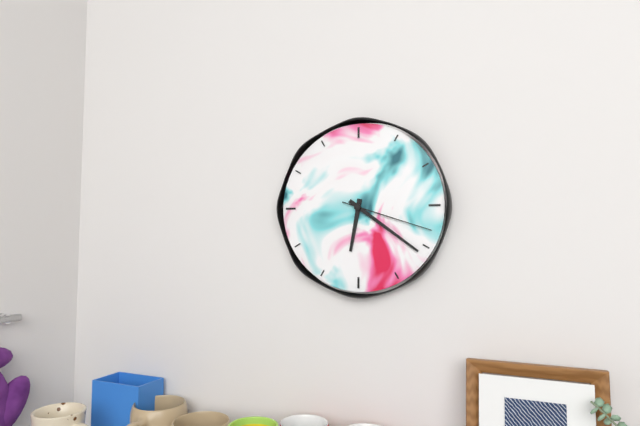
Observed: 6.21.18
